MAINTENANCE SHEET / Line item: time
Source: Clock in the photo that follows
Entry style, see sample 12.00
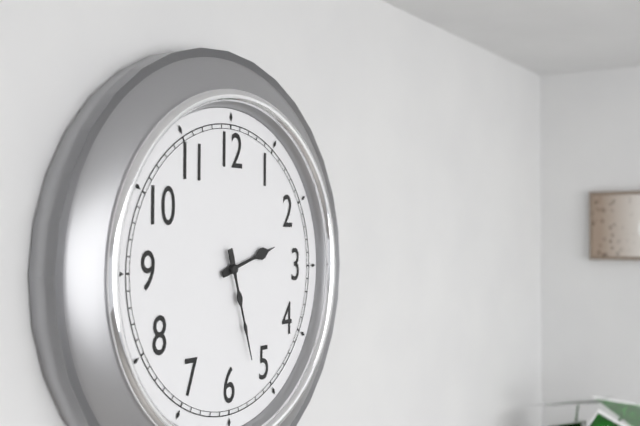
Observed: 2.27
